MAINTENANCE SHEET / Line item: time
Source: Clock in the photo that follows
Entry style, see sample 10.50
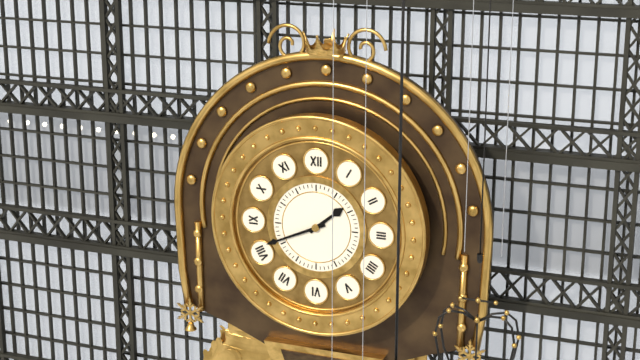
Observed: 1.41
